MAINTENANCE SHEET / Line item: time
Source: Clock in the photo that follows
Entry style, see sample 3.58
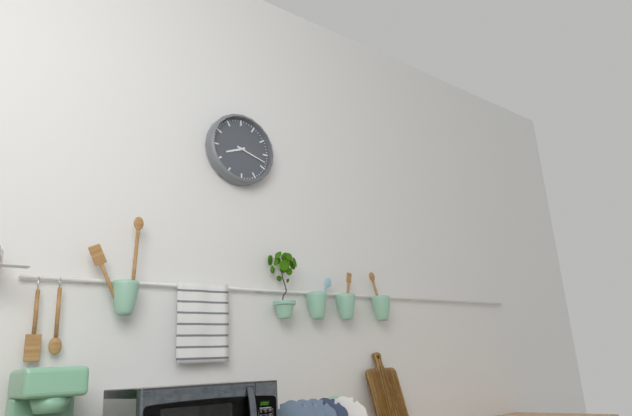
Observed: 8.18
